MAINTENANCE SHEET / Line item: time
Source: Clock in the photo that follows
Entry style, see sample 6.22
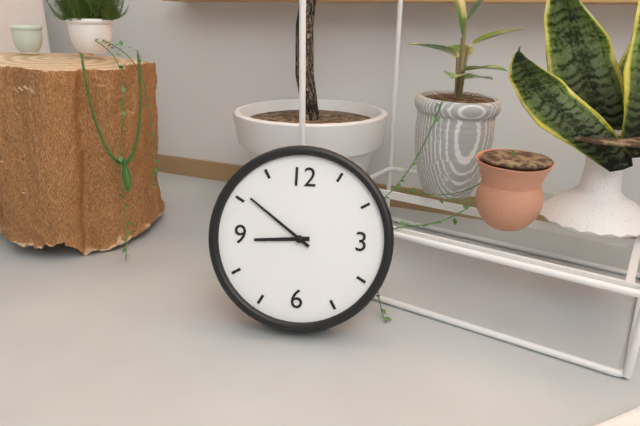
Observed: 8.51
